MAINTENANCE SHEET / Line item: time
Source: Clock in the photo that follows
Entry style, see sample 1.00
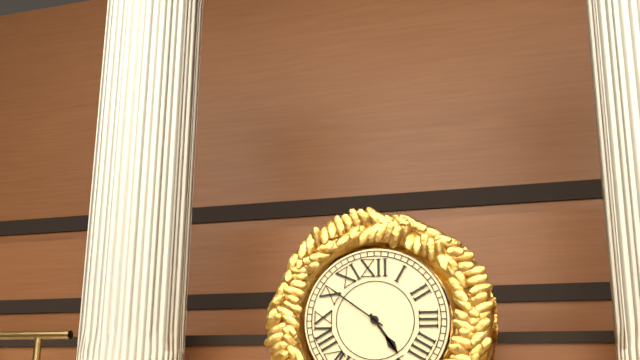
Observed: 4.51
